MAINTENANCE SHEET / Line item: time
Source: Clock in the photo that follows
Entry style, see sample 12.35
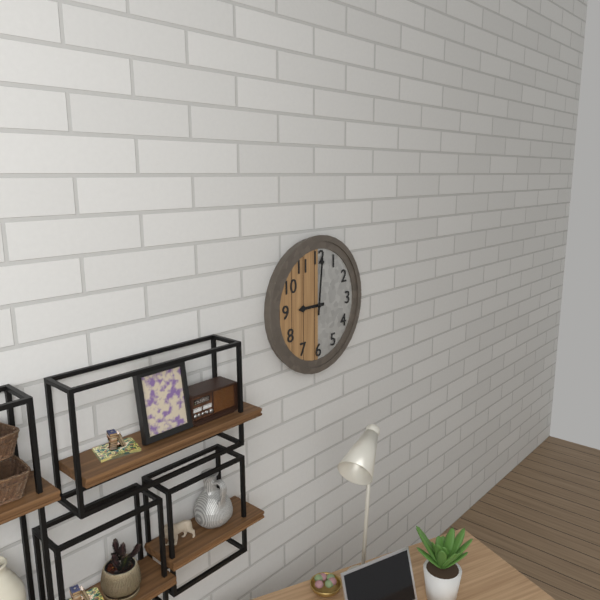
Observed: 9.01
